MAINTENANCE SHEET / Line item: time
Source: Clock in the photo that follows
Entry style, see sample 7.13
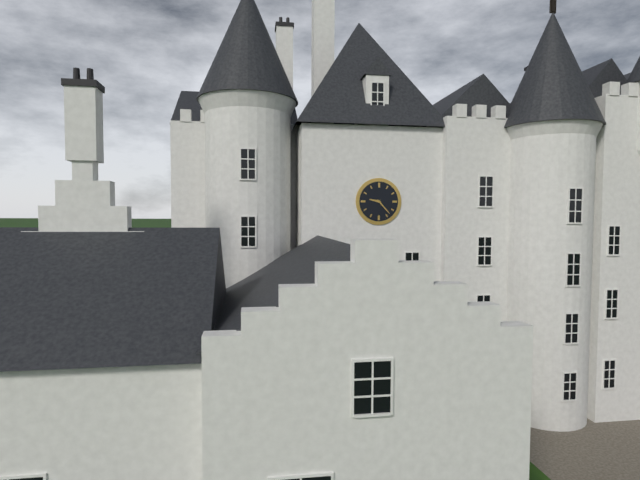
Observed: 9.23
